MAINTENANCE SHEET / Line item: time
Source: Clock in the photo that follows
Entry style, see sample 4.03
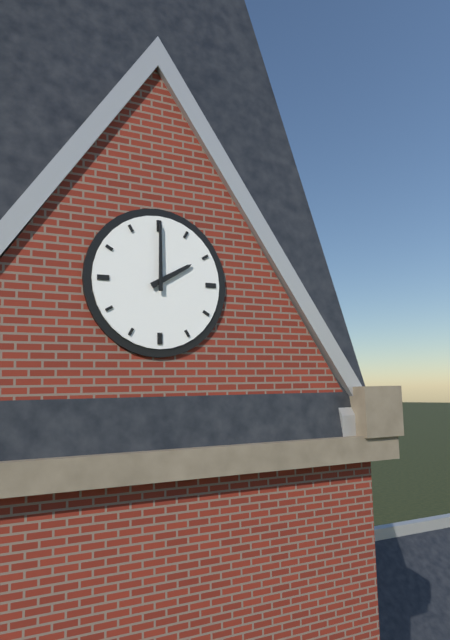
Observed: 2.00
